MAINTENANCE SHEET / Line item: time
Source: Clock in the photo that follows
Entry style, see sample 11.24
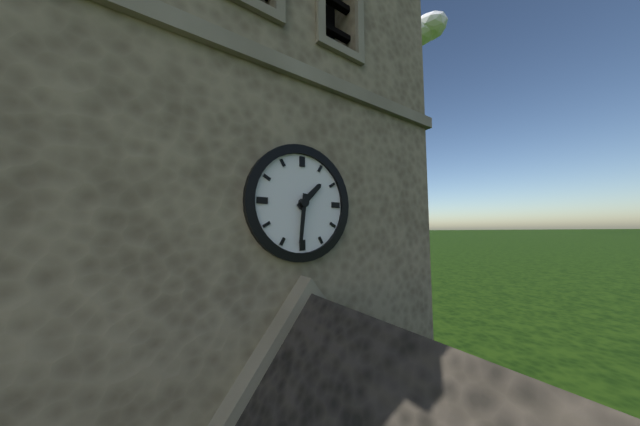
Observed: 1.31
